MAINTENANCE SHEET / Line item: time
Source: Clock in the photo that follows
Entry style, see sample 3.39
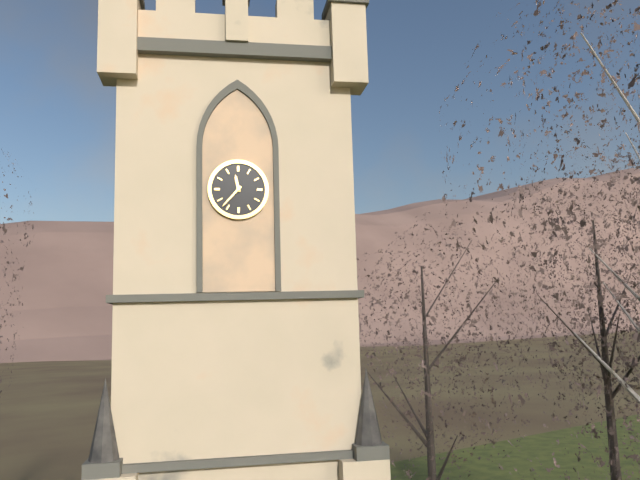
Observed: 11.37
